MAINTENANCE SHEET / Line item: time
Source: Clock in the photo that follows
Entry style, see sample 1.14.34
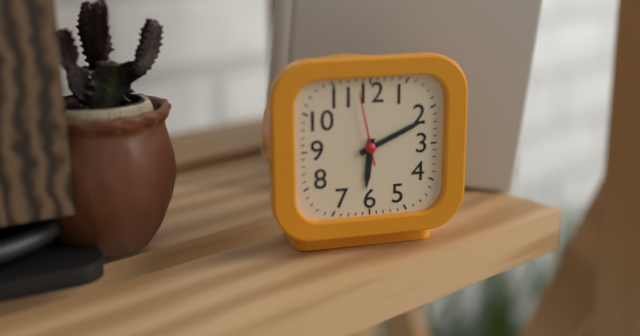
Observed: 6.11.58
